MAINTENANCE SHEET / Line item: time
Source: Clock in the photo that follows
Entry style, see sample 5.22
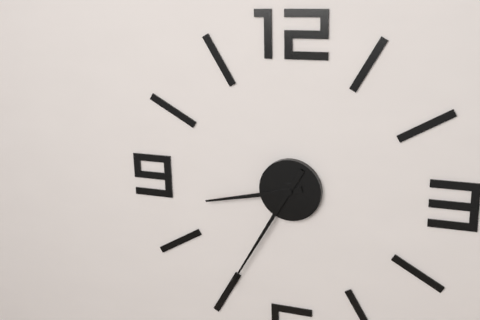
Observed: 8.35
